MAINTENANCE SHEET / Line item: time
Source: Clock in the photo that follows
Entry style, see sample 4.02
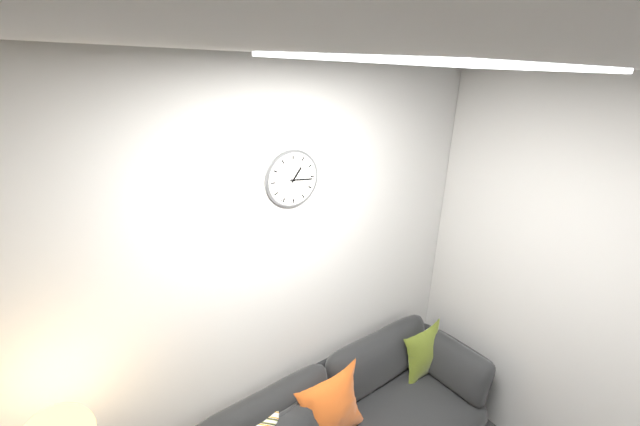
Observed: 1.16
